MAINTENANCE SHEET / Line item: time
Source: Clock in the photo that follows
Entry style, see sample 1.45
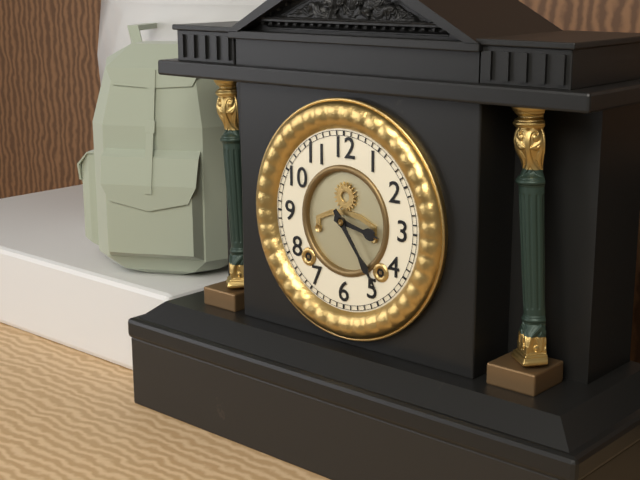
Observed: 3.24
